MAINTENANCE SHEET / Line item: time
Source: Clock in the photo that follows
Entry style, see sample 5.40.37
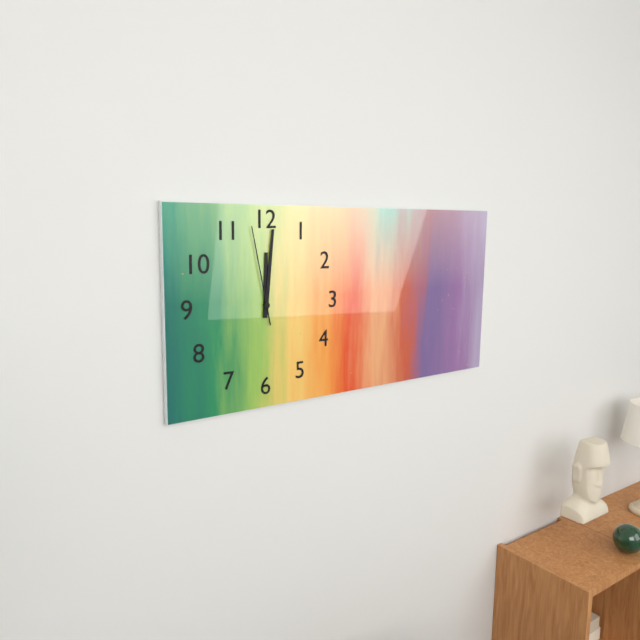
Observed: 12.01.58
